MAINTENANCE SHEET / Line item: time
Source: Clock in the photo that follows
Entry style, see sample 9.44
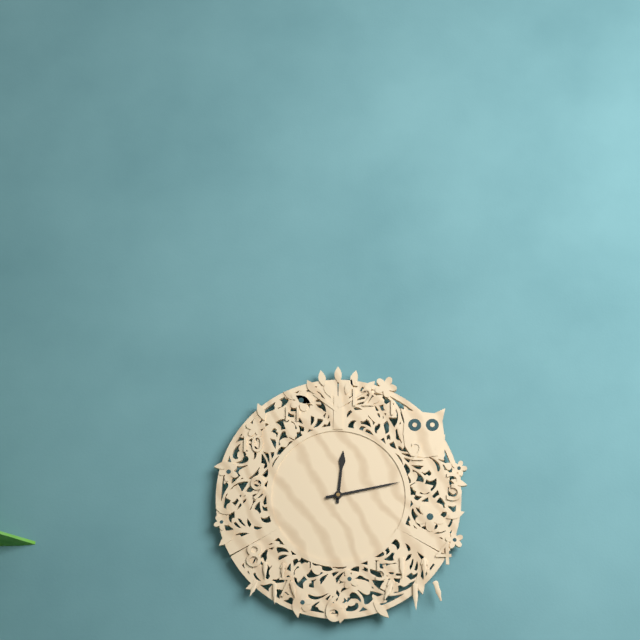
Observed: 12.13
